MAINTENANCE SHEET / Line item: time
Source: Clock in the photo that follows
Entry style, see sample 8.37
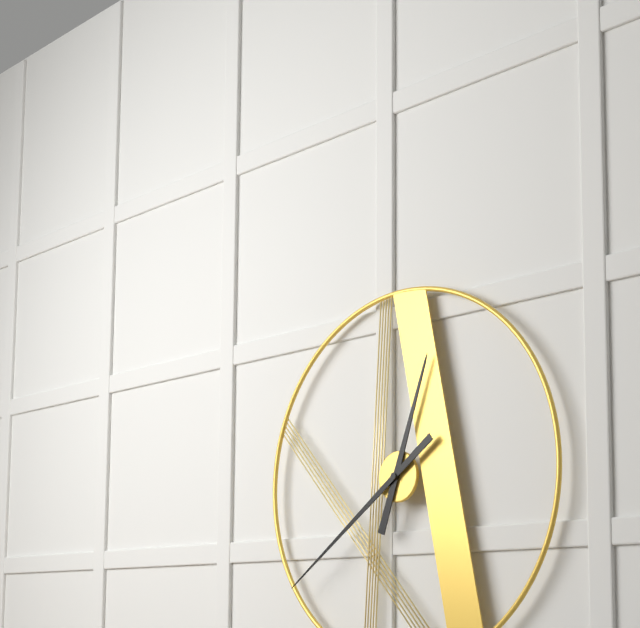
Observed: 12.39
